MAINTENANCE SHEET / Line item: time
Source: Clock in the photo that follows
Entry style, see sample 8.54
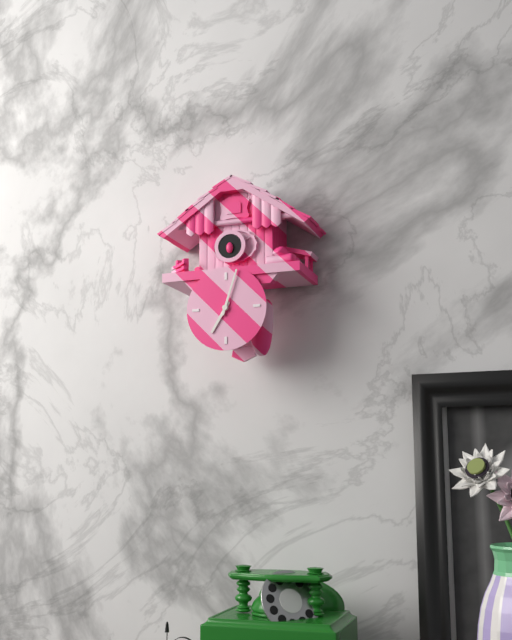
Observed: 7.03
